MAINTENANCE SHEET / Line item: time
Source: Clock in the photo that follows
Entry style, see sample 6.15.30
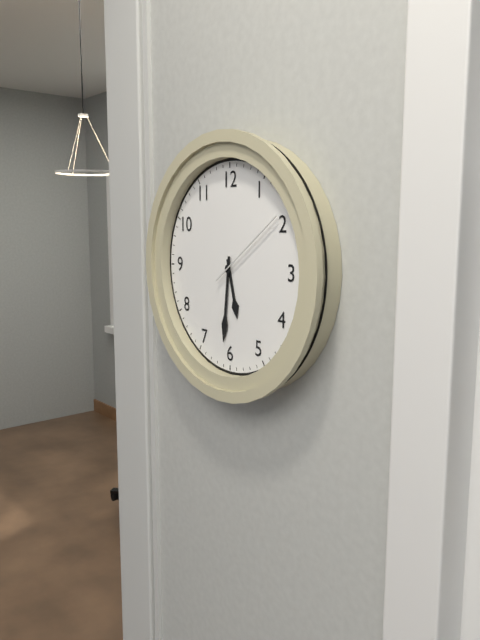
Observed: 5.31.09
